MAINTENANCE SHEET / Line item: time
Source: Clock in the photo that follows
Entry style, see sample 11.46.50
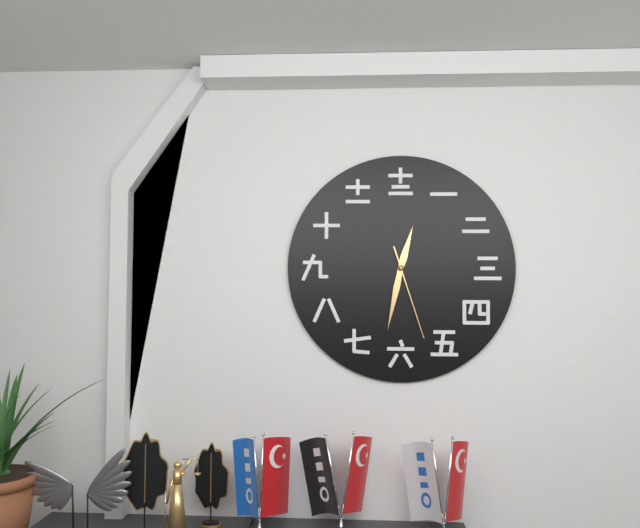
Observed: 12.32.27
